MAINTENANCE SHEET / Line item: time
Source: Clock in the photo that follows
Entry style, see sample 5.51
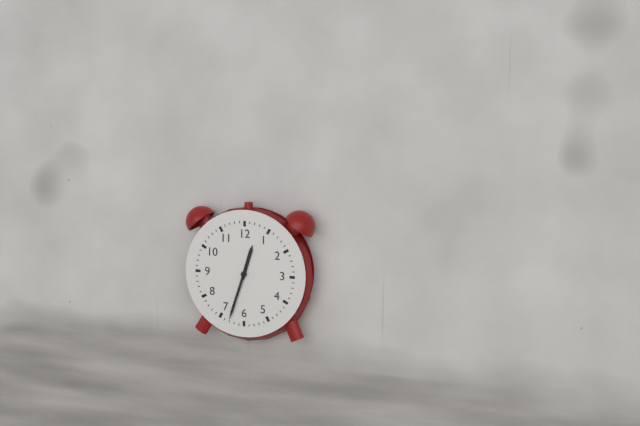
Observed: 12.33
